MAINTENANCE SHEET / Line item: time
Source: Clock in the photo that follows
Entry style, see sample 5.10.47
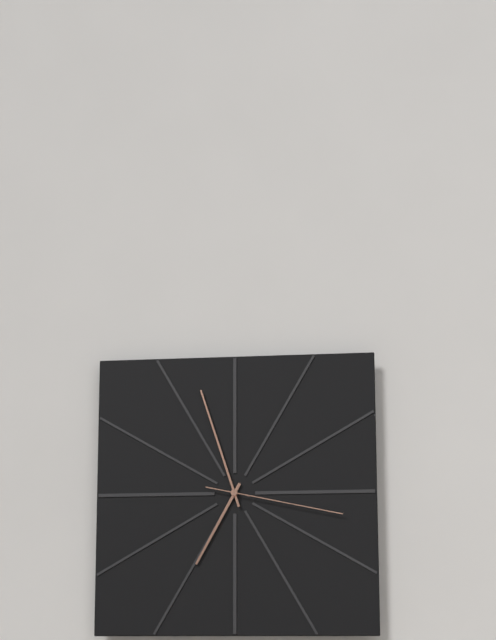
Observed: 6.57.17
